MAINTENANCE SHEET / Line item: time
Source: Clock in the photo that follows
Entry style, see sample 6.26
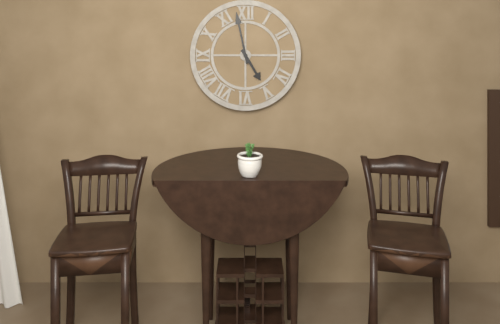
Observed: 4.58
